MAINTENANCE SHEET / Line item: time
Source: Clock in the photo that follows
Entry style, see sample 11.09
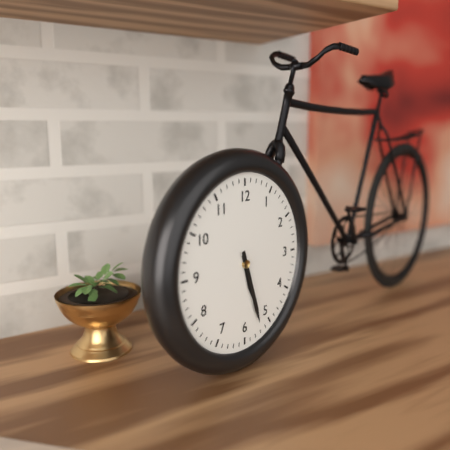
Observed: 5.27
